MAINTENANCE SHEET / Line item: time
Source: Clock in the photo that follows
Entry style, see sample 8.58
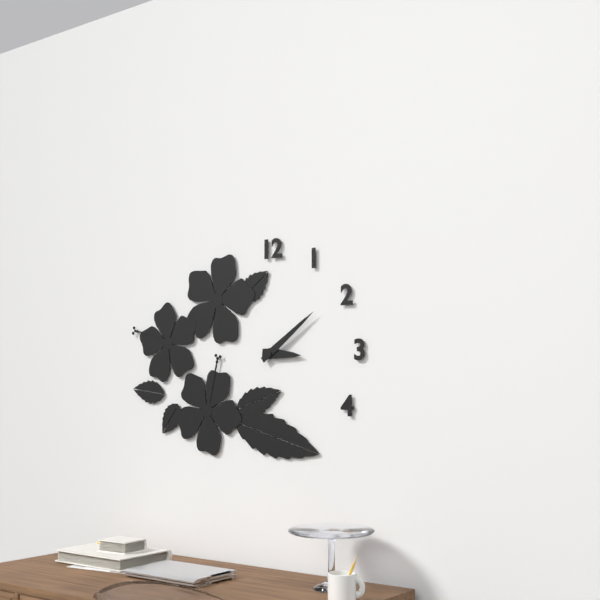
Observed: 3.09
